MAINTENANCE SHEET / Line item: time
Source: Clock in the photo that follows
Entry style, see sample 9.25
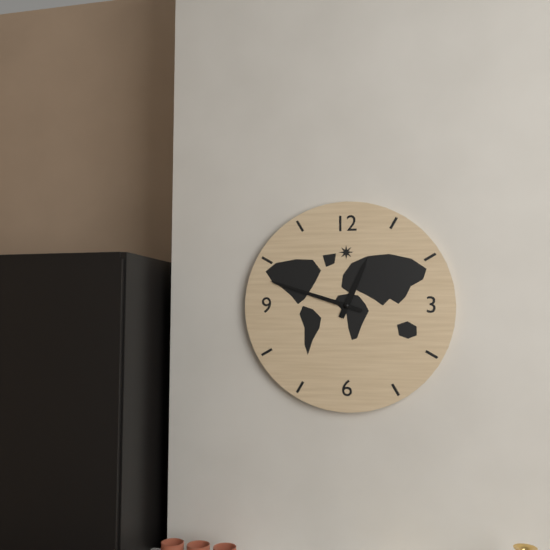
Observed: 12.48
